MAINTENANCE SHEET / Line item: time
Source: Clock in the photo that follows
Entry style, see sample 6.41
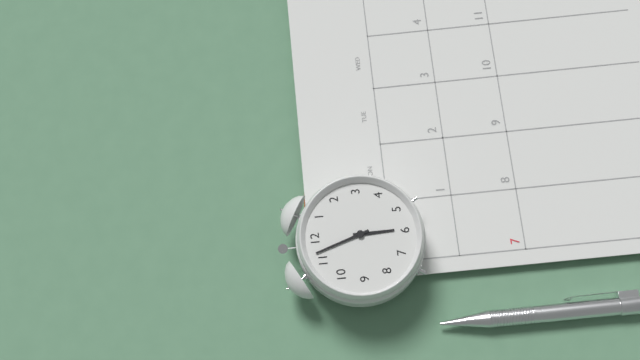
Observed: 5.57
